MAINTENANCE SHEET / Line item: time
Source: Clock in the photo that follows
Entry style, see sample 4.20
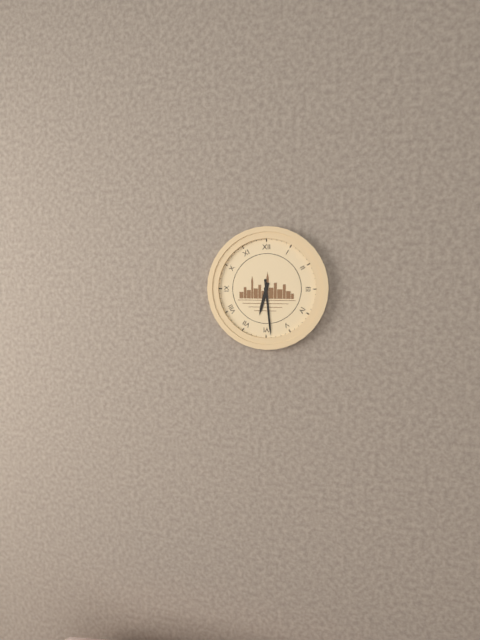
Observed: 6.29
